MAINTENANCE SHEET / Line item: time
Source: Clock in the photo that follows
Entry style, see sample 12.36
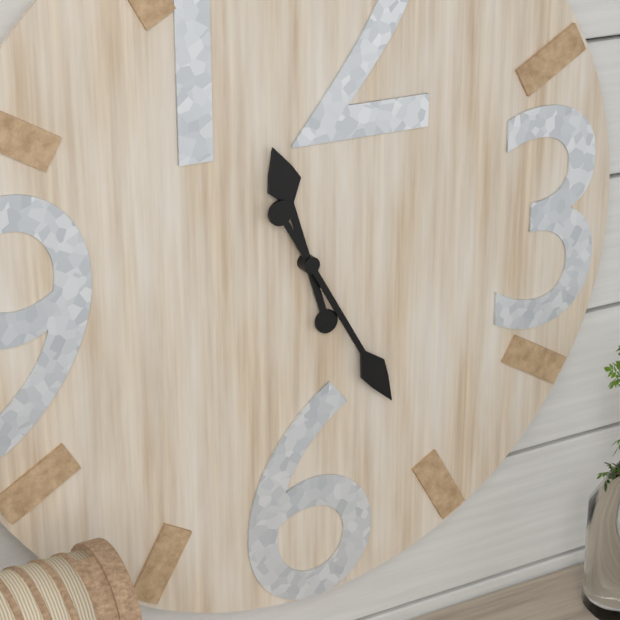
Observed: 11.25
